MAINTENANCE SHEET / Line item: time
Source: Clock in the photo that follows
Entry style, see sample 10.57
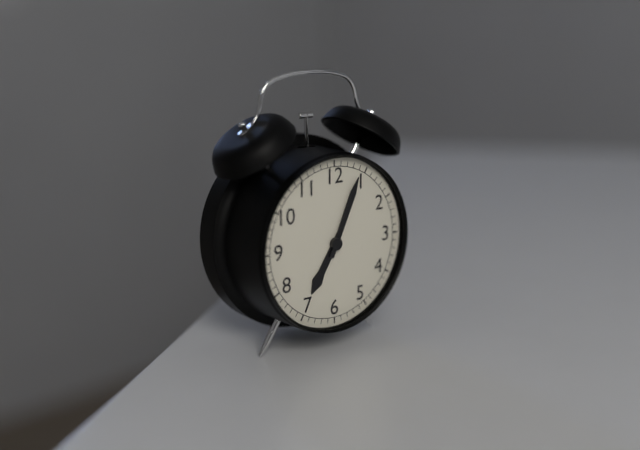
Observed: 7.04
